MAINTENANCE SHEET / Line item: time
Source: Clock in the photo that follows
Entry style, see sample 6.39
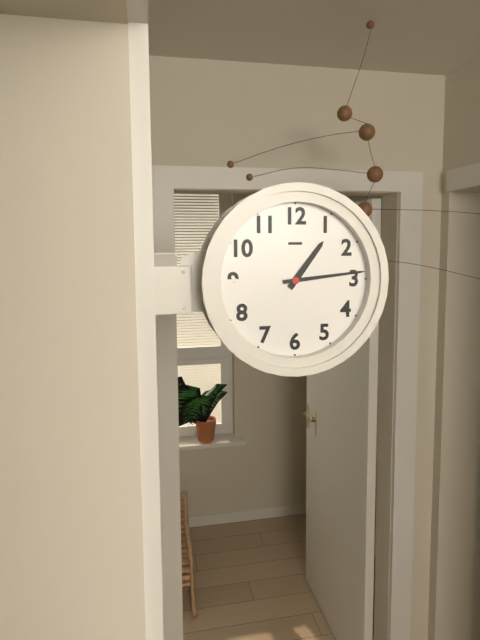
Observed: 1.14
